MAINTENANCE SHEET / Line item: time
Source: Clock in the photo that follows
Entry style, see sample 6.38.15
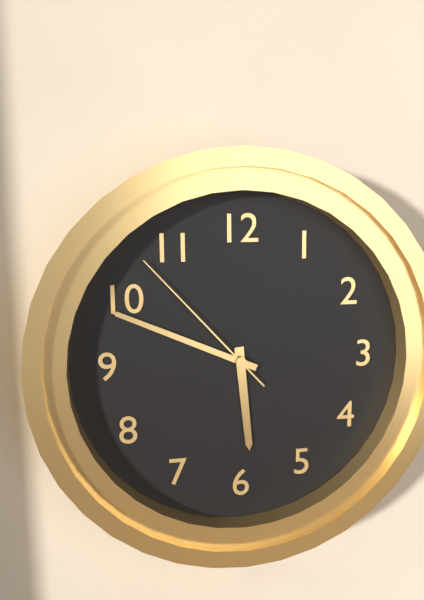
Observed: 5.49.53
